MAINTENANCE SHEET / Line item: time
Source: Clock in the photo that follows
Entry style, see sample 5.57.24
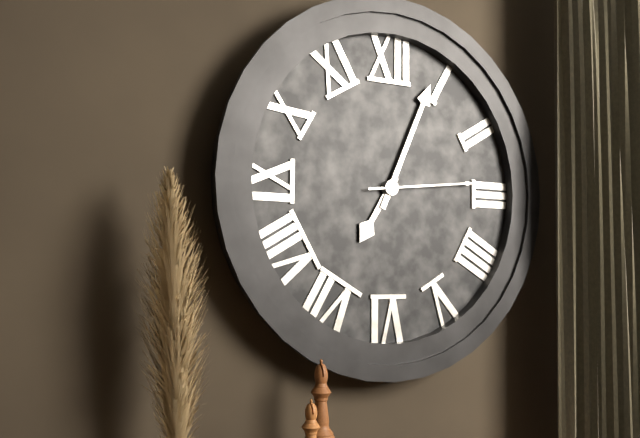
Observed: 7.04.14
